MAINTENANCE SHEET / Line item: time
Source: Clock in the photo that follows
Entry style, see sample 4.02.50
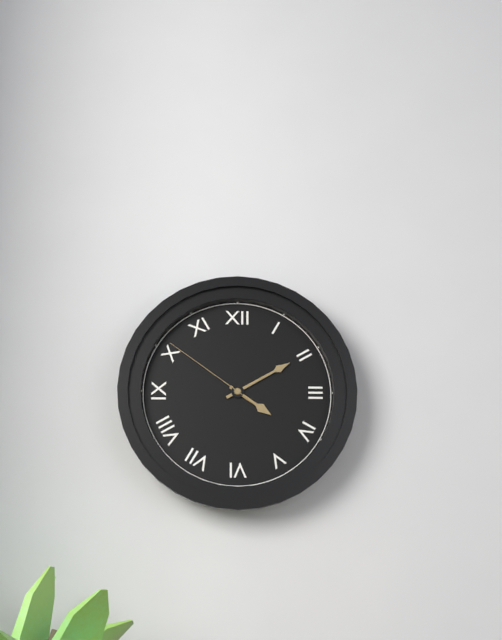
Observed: 4.10.51
